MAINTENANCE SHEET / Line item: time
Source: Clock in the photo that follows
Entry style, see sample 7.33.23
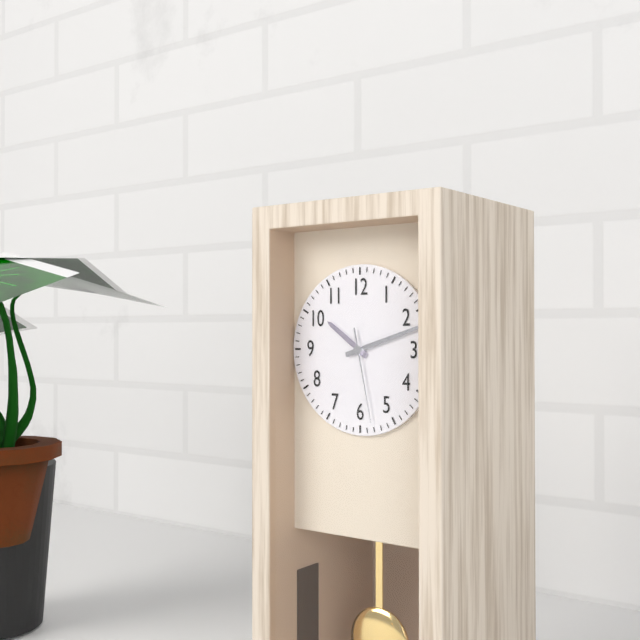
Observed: 10.12.28
